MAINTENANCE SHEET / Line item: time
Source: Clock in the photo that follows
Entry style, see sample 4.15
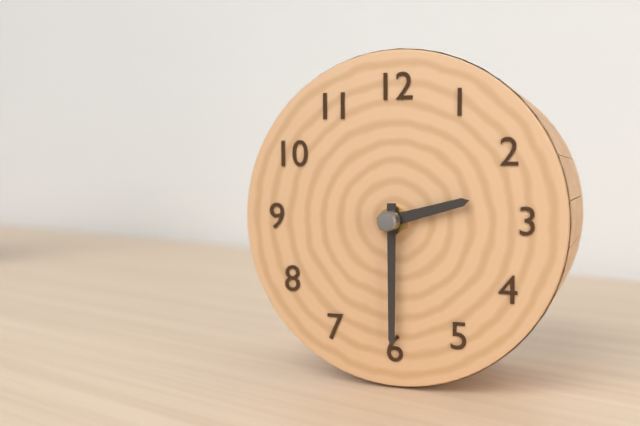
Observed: 2.30
